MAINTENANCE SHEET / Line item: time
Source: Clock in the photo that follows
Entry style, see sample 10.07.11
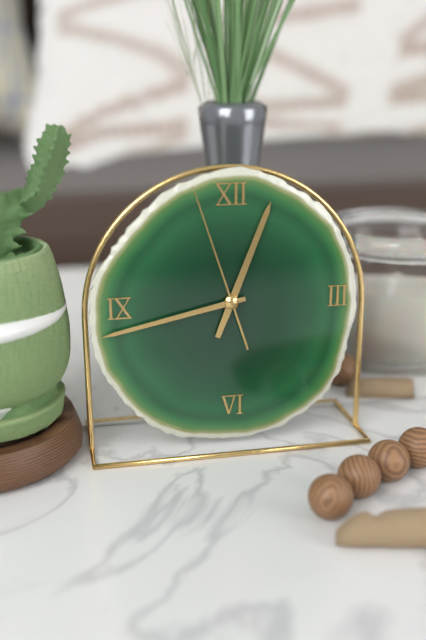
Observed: 12.43.57
